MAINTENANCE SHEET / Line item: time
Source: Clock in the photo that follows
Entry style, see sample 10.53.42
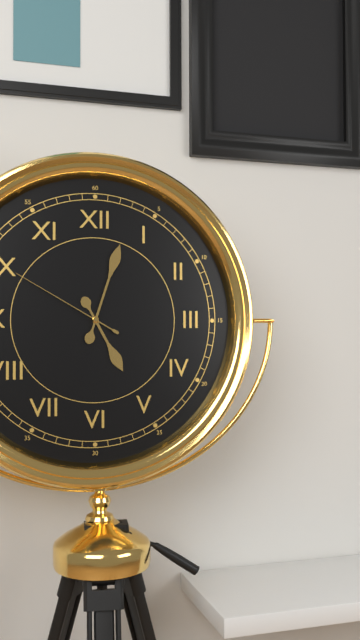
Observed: 5.03.50
